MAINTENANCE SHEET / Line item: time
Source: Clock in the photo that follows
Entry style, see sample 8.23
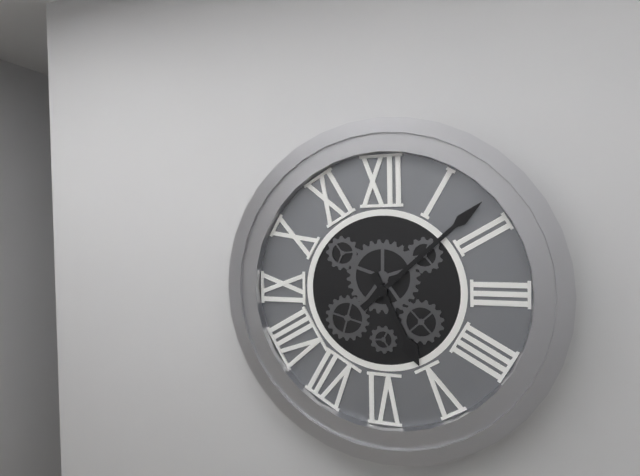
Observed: 5.08
